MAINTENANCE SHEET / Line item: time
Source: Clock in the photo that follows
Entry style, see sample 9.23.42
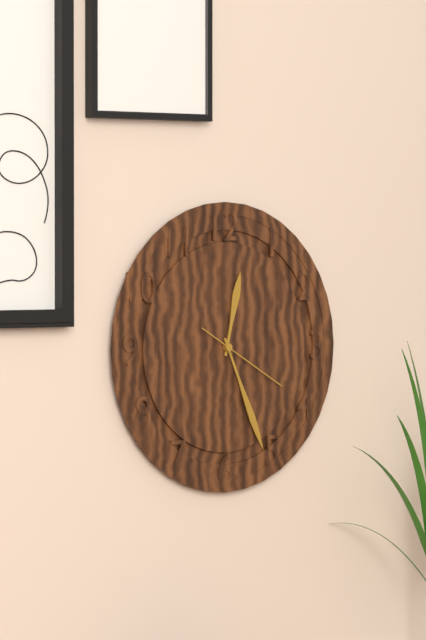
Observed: 12.26.20
